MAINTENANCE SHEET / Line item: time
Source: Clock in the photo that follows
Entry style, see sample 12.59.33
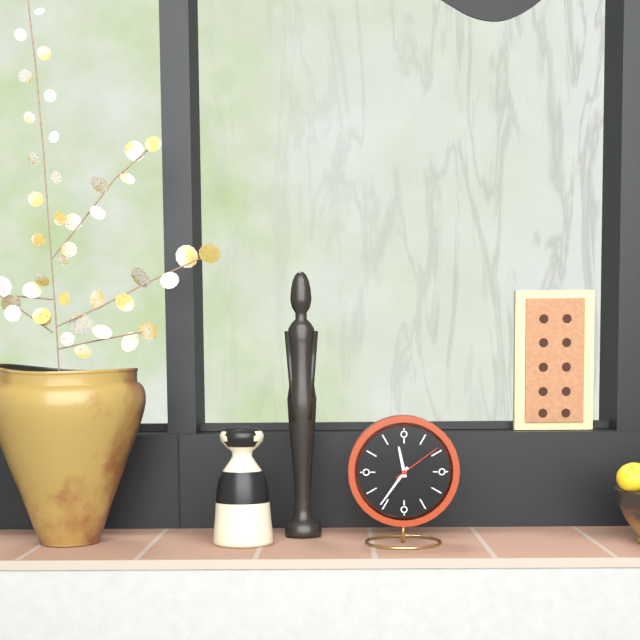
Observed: 11.36.09
